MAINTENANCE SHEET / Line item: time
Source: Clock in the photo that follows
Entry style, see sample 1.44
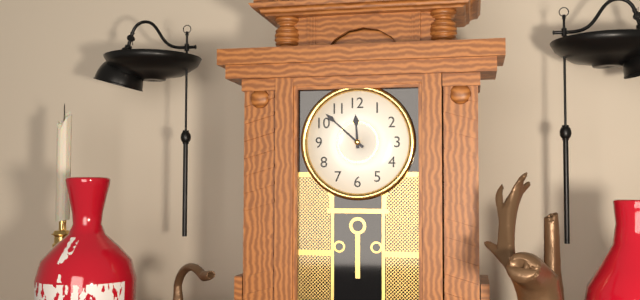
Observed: 11.52
